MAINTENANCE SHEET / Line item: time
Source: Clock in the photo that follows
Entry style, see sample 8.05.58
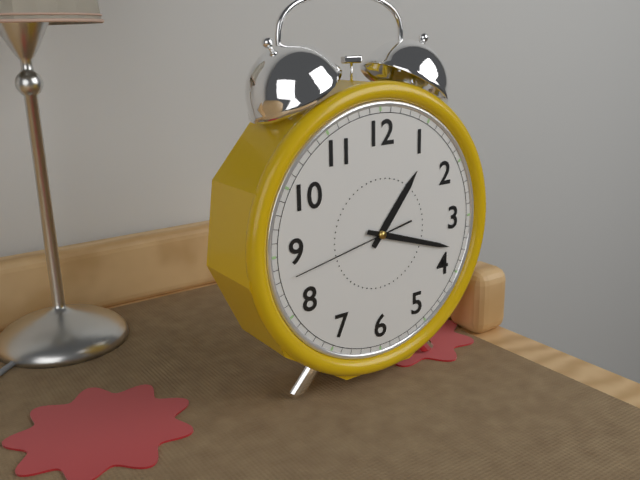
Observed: 1.18.43
